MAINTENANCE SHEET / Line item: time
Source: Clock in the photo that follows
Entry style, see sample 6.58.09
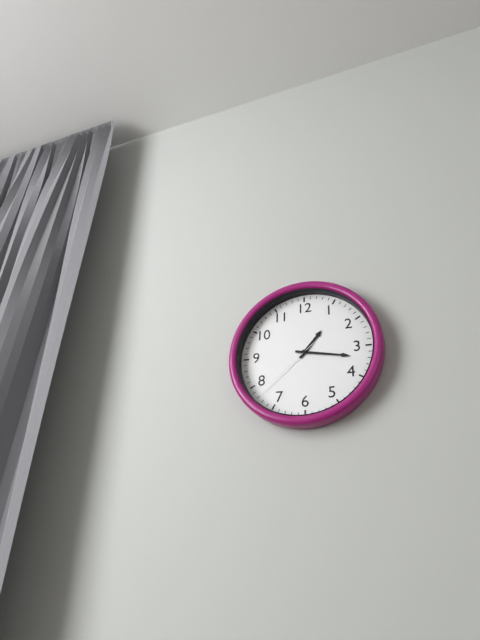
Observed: 1.17.38
